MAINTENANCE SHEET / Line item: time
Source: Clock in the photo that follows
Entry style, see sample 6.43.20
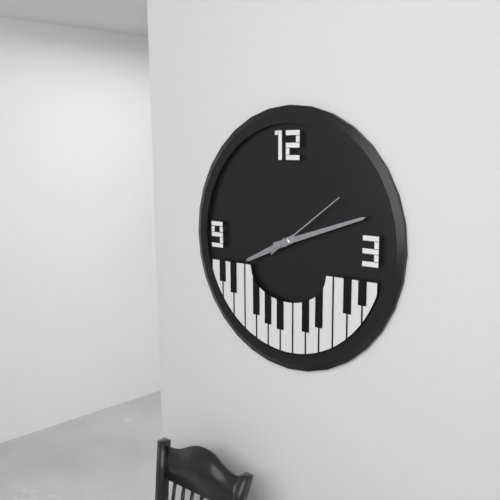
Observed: 8.12.09
